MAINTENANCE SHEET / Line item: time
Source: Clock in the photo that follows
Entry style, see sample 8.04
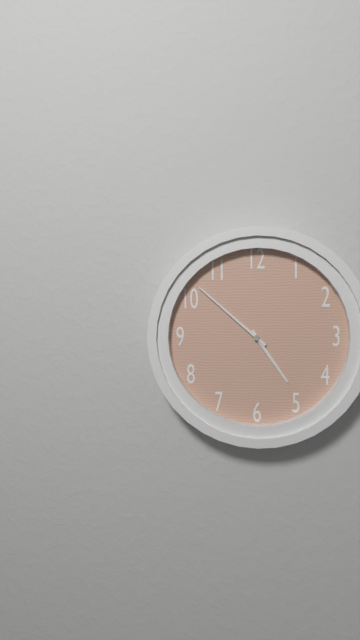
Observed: 4.52
